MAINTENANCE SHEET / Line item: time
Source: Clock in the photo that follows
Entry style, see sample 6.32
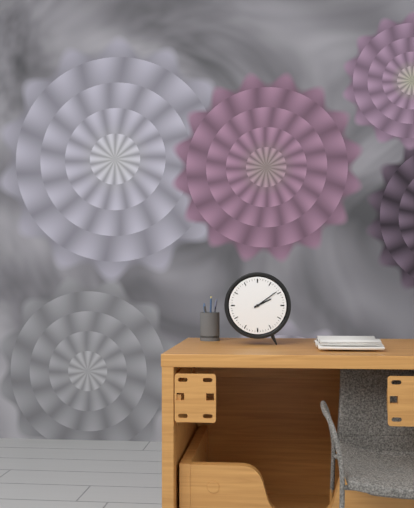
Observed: 2.09
